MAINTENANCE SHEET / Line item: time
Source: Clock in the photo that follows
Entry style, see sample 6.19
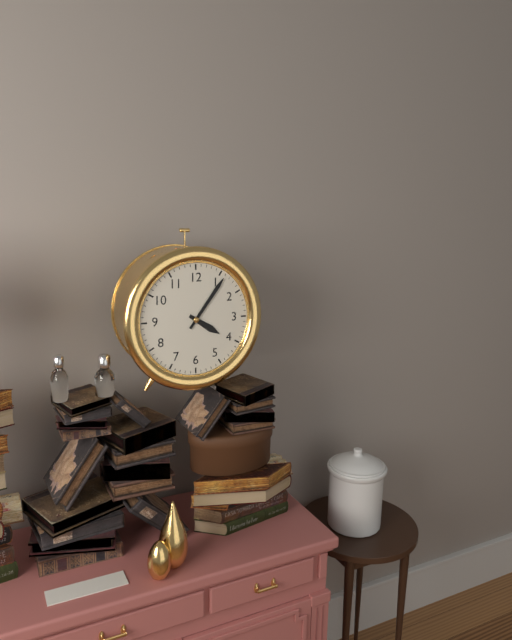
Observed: 4.06
